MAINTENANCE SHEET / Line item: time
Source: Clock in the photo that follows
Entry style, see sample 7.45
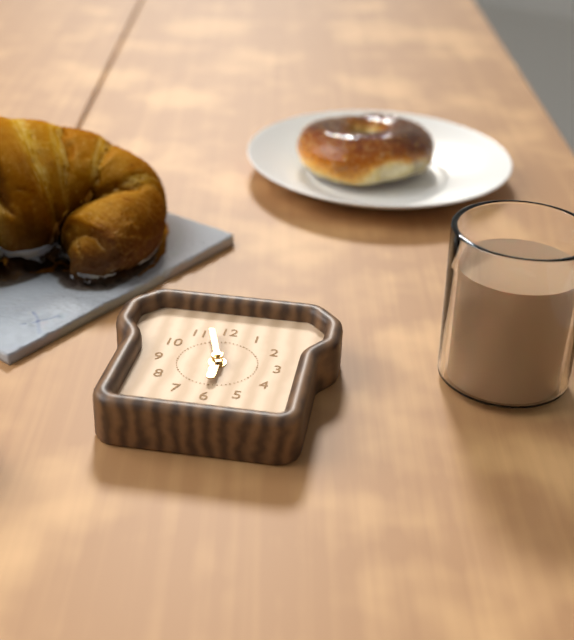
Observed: 5.57
